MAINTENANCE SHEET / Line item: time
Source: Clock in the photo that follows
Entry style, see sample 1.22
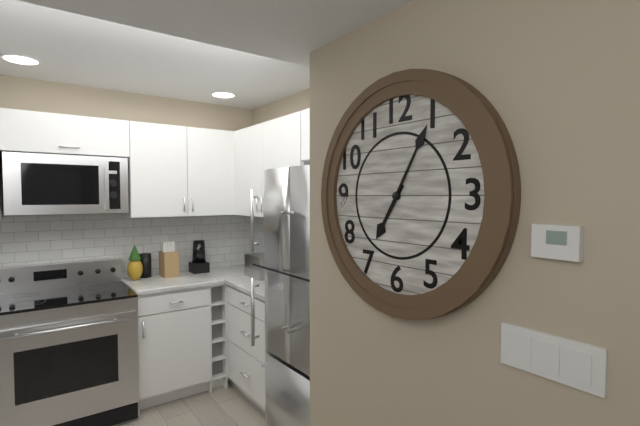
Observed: 7.05
